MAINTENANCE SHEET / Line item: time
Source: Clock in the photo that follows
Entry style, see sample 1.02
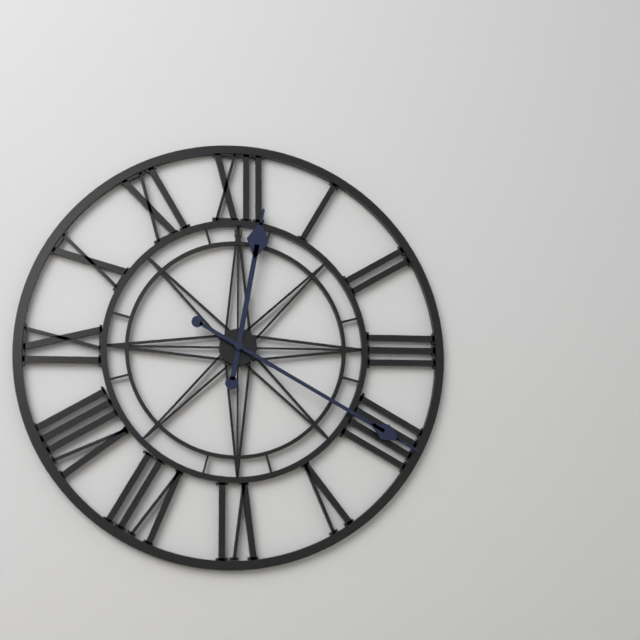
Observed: 12.20
